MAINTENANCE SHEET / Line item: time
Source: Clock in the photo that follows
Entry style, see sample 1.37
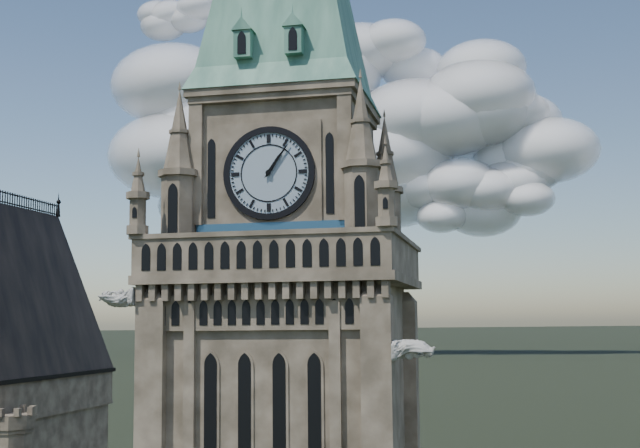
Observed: 1.06
